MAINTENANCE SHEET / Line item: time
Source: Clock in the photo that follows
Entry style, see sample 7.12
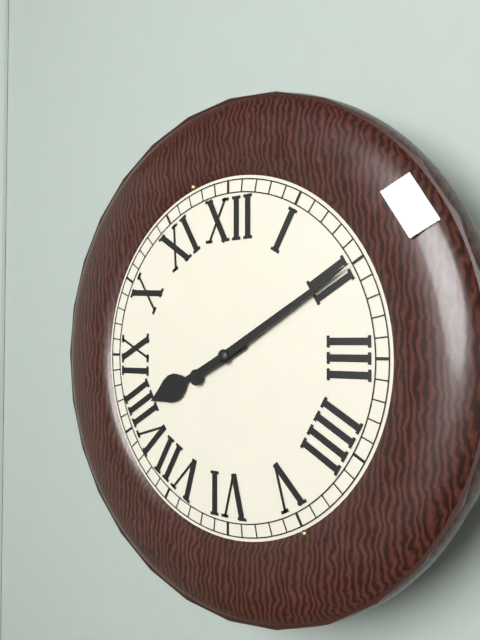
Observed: 8.10
